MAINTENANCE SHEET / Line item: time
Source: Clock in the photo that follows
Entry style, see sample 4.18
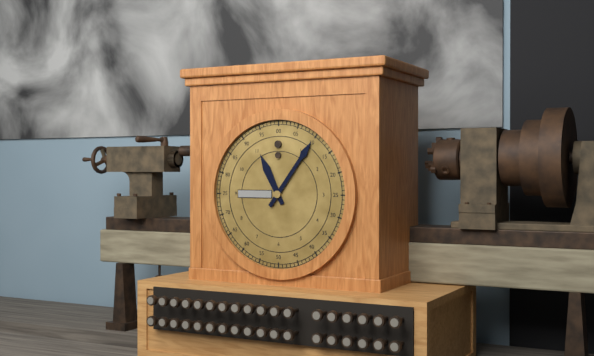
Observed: 11.06
